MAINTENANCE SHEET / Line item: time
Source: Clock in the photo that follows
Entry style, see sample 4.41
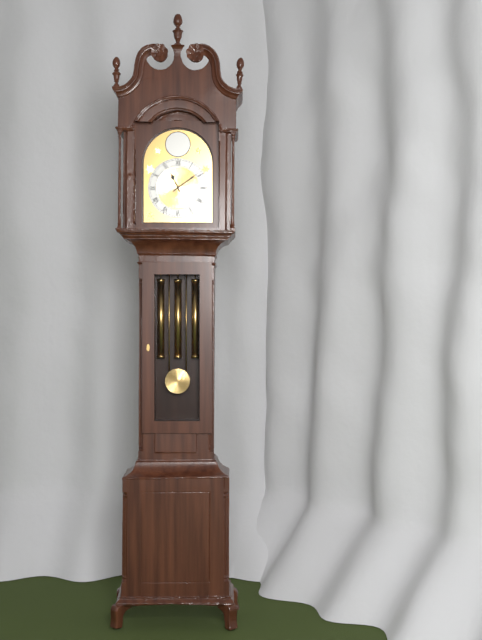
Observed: 11.09
